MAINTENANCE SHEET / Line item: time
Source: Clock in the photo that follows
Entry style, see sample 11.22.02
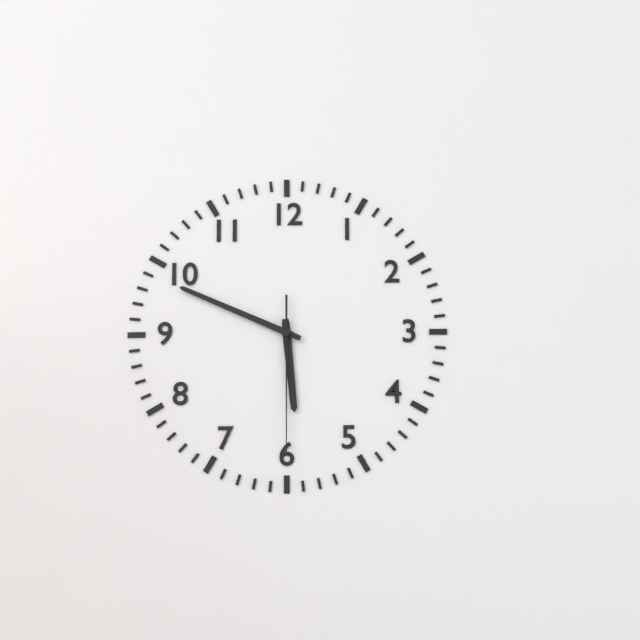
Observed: 5.49.30
